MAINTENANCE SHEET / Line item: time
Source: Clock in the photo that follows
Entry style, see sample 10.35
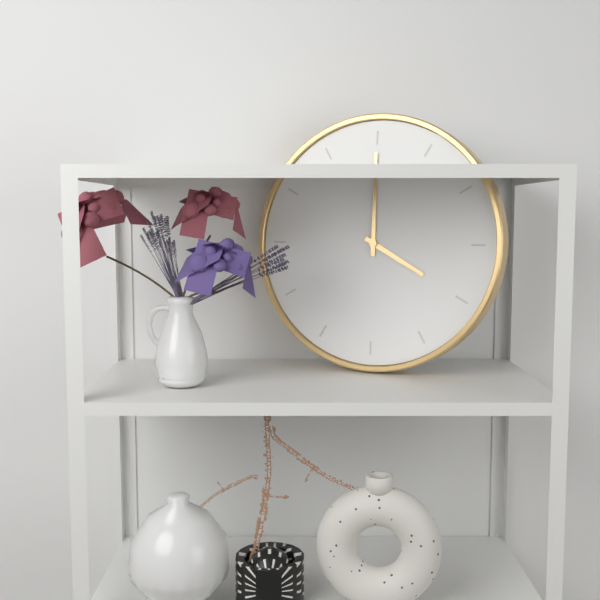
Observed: 4.00
